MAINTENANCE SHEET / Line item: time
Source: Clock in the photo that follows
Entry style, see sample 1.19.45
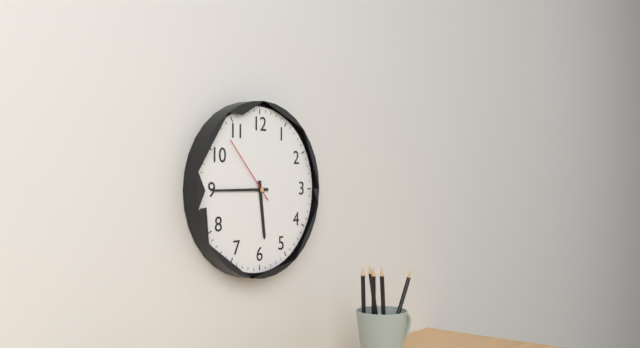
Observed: 5.45.53
